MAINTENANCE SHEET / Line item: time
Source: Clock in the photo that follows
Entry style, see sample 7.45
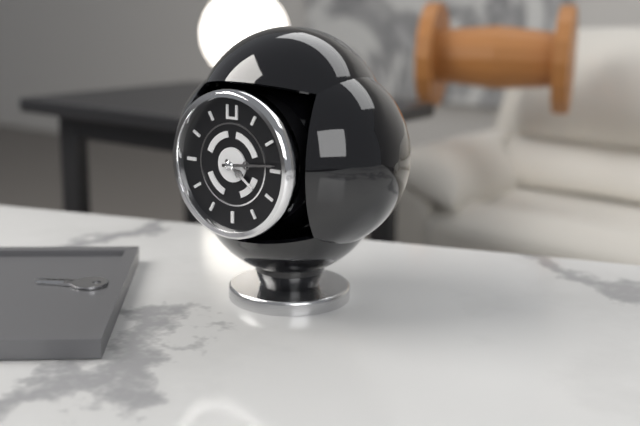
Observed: 4.14
